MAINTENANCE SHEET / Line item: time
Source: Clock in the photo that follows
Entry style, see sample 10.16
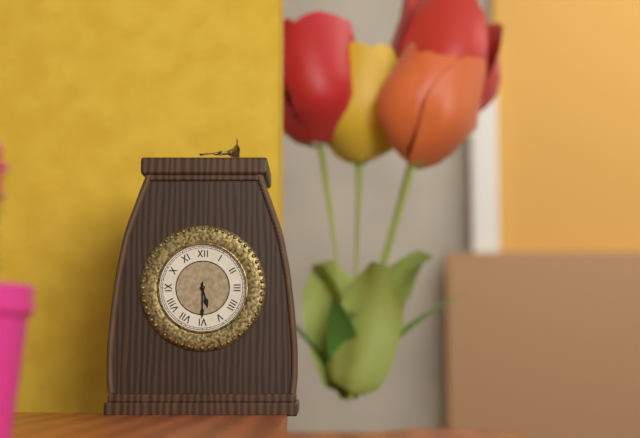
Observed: 5.30
